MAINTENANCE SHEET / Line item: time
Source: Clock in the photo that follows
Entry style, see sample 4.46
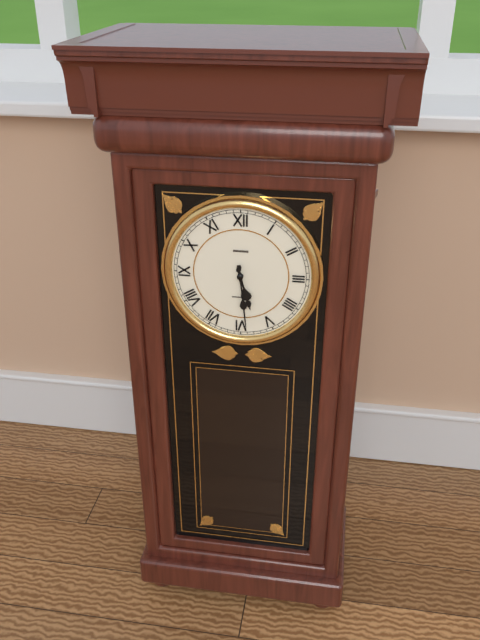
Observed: 5.29
